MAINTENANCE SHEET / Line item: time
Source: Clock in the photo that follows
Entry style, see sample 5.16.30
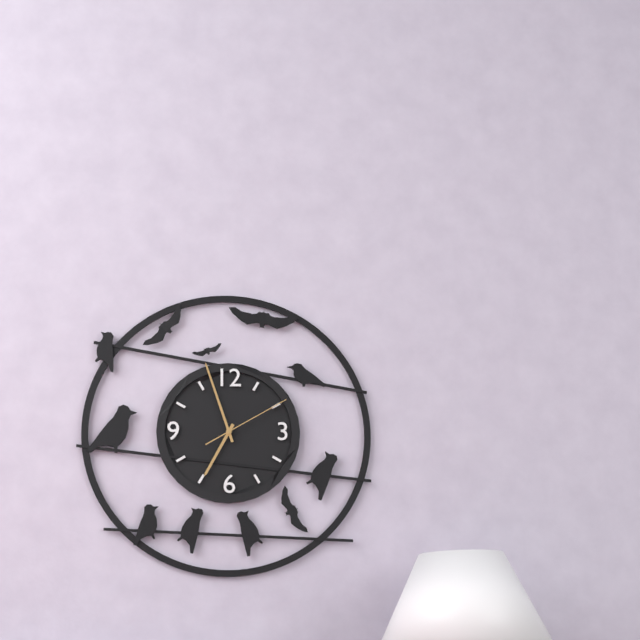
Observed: 6.57.10
